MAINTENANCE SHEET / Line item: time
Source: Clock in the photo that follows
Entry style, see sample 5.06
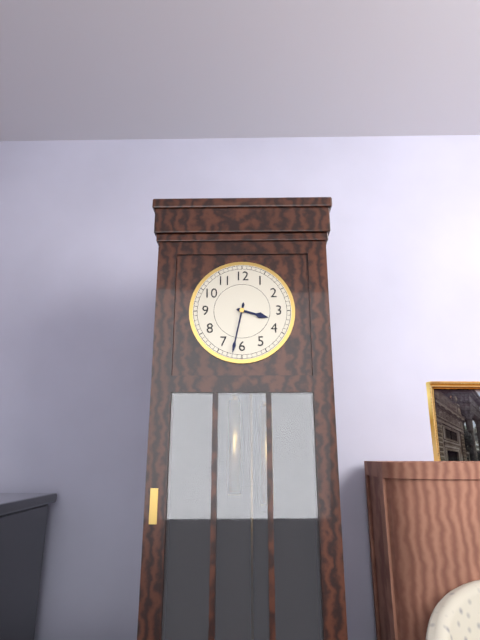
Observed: 3.32
